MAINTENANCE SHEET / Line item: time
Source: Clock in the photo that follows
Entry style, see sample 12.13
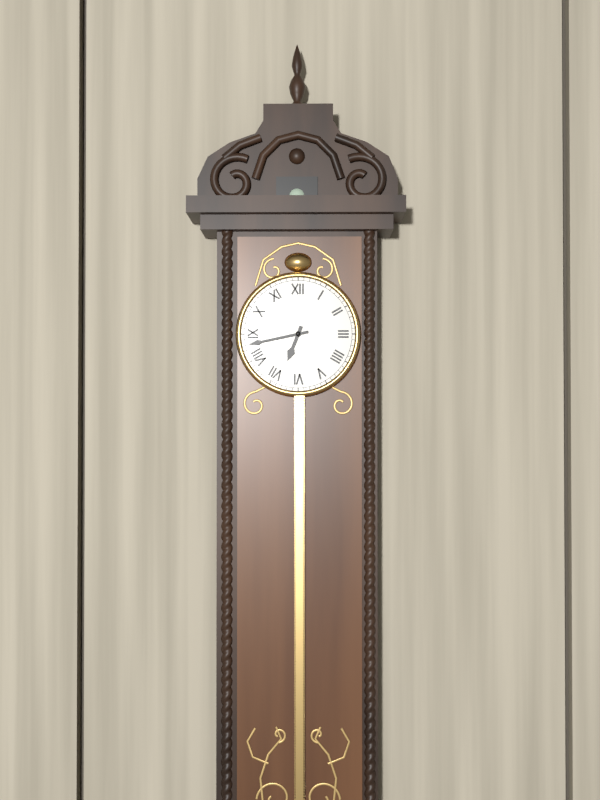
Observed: 6.43
